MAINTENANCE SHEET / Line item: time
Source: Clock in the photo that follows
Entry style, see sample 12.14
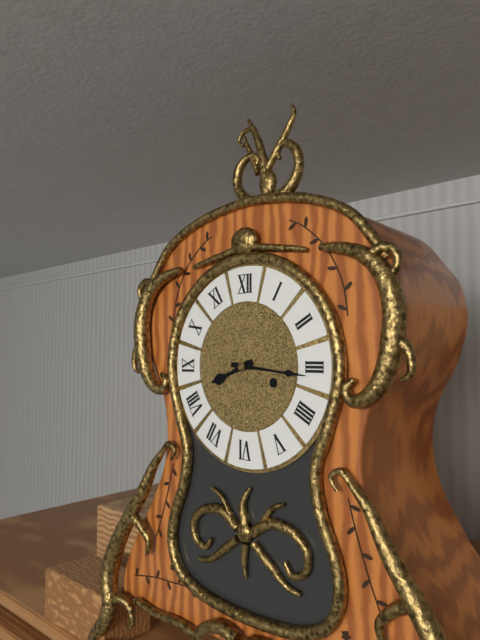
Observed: 8.16
